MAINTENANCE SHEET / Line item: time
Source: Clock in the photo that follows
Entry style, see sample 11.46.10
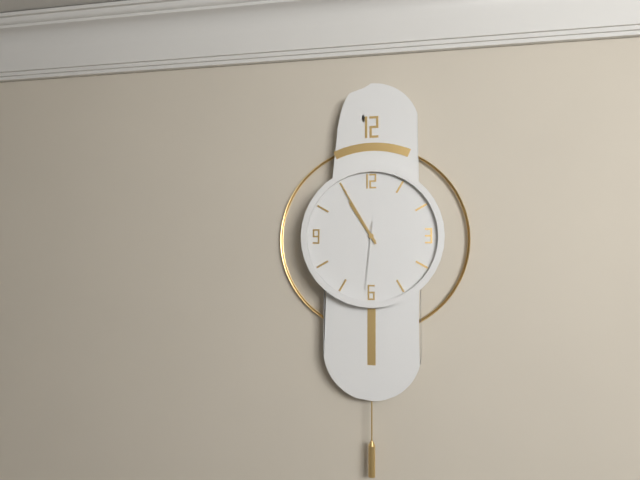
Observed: 10.55.31
